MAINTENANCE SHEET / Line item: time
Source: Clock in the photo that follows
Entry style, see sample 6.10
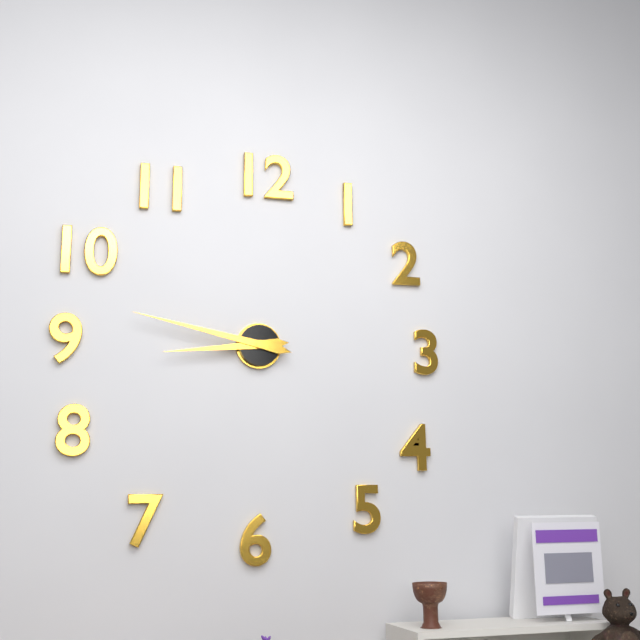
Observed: 8.47
